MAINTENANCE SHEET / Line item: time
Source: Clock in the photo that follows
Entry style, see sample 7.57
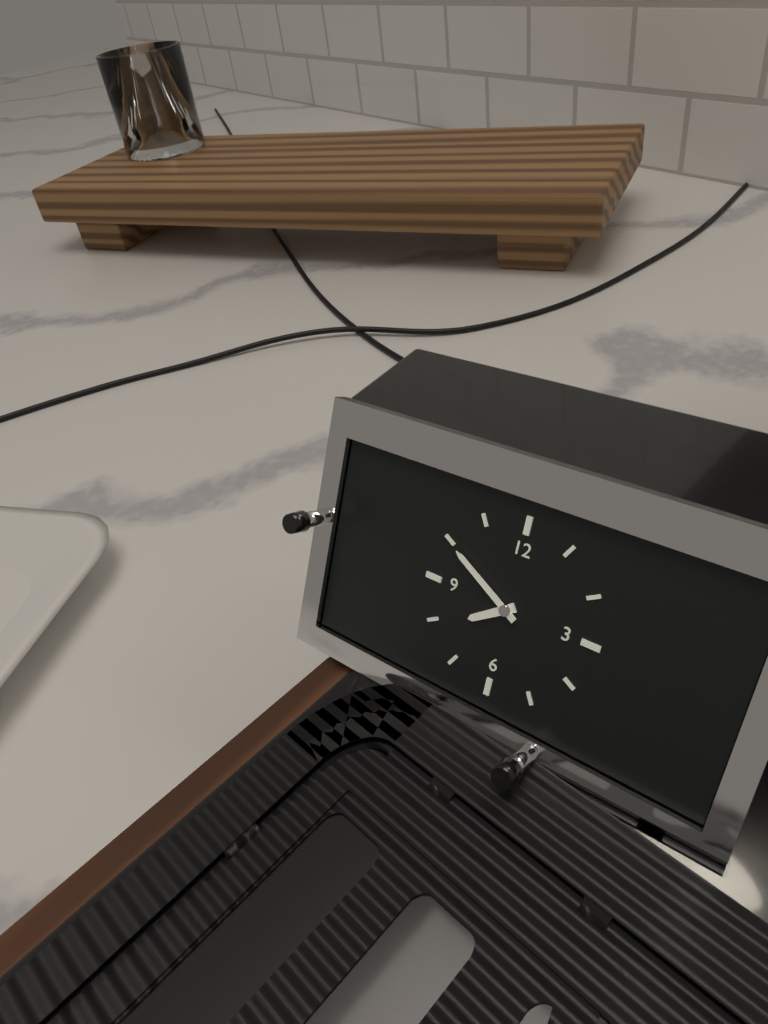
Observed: 7.50
